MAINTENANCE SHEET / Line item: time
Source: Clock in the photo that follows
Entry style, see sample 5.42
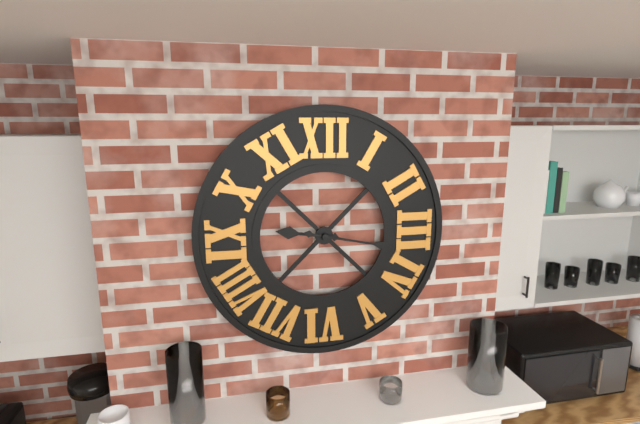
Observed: 9.17
